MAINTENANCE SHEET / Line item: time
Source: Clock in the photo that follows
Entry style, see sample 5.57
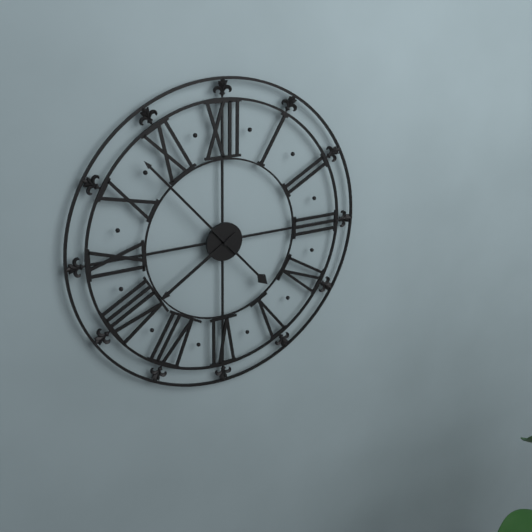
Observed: 7.53
